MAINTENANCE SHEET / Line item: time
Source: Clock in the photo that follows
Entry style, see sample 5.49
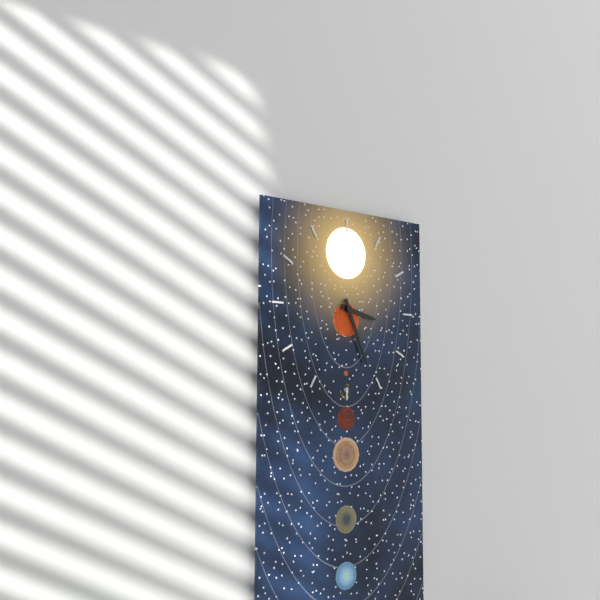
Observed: 3.26
